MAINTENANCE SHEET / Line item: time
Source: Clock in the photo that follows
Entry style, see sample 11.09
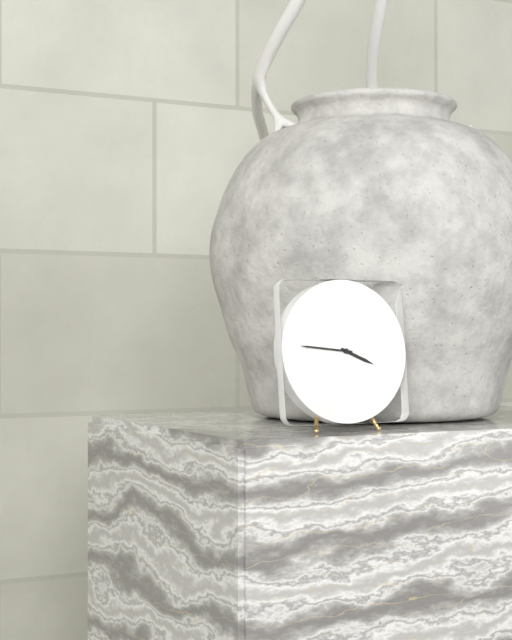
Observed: 3.46
